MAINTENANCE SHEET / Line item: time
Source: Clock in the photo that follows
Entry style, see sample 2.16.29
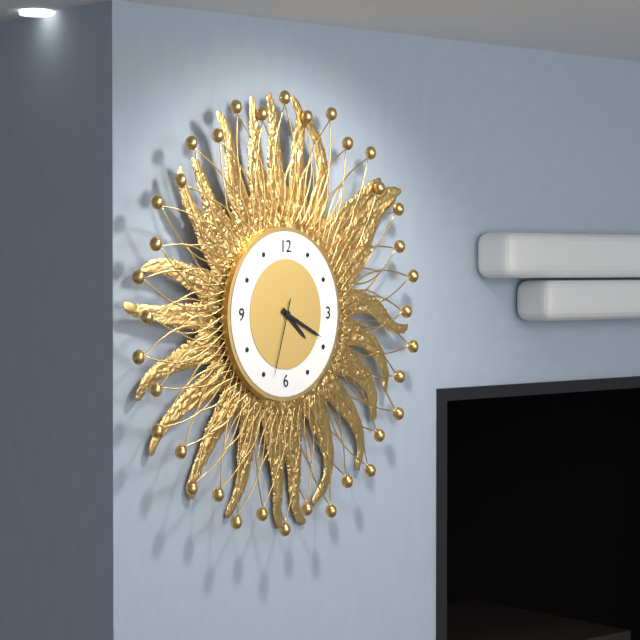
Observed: 4.19.33
